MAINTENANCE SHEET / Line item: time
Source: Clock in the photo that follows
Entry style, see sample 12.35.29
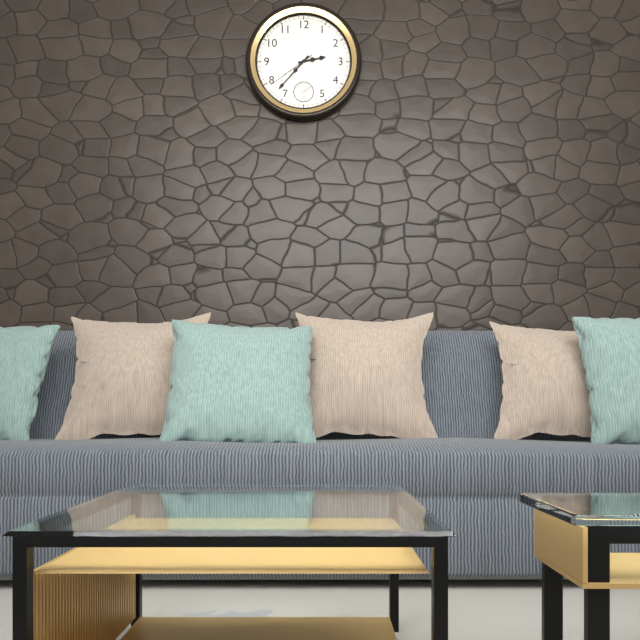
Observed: 2.37.39
